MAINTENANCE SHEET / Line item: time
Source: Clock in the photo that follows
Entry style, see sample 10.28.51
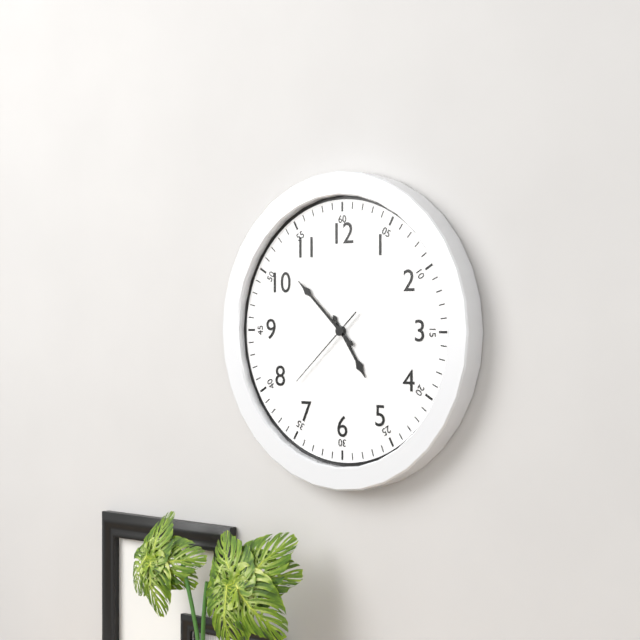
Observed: 4.52.38
